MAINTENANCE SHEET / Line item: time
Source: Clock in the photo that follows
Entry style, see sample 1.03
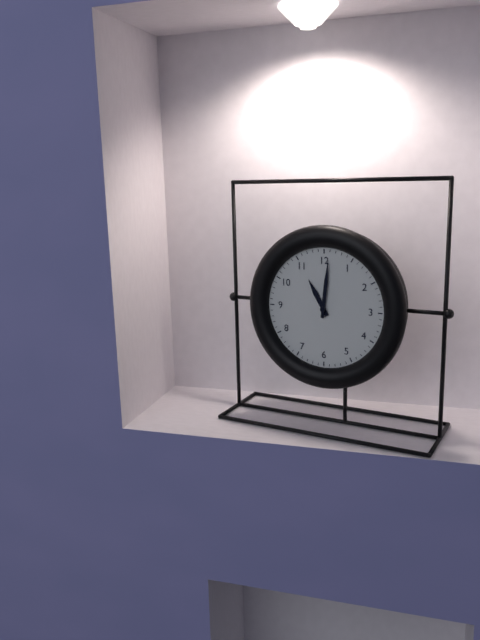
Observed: 11.01
